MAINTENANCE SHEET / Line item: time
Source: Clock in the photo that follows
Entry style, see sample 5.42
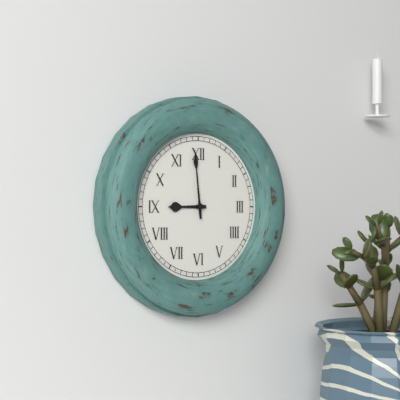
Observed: 8.59
